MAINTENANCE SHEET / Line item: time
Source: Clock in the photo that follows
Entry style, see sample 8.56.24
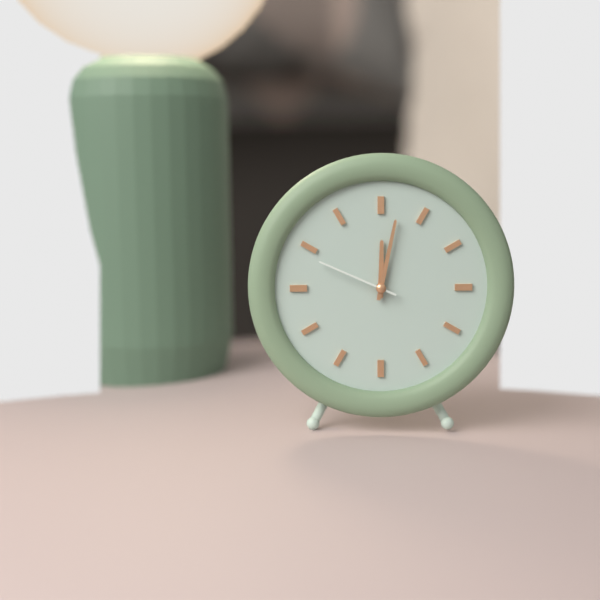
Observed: 12.02.49
